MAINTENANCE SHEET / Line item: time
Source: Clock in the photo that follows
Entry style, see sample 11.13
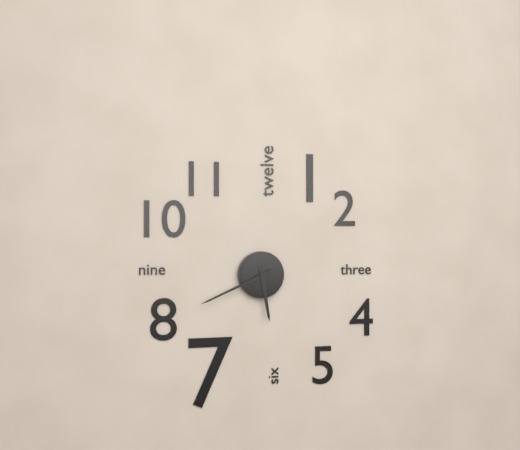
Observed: 5.41
